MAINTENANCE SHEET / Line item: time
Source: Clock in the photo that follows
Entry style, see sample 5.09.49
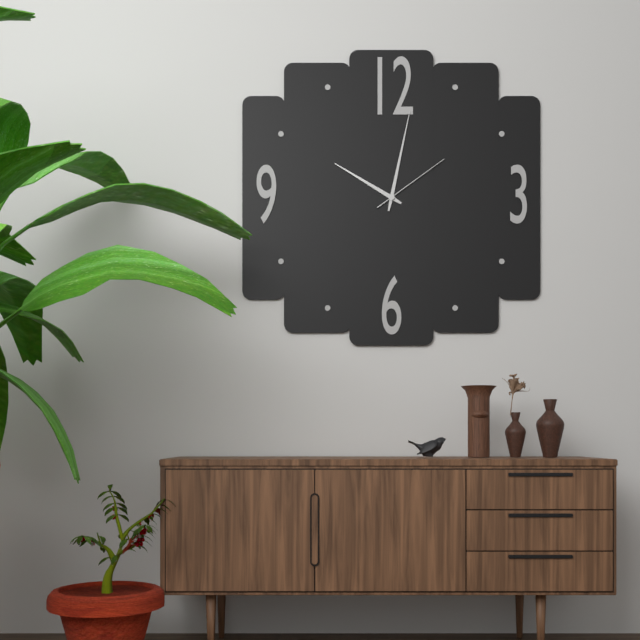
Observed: 10.02.09
